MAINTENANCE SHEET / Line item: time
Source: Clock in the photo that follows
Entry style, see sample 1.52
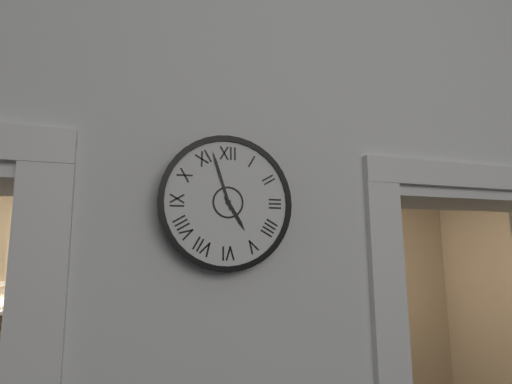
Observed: 4.57
